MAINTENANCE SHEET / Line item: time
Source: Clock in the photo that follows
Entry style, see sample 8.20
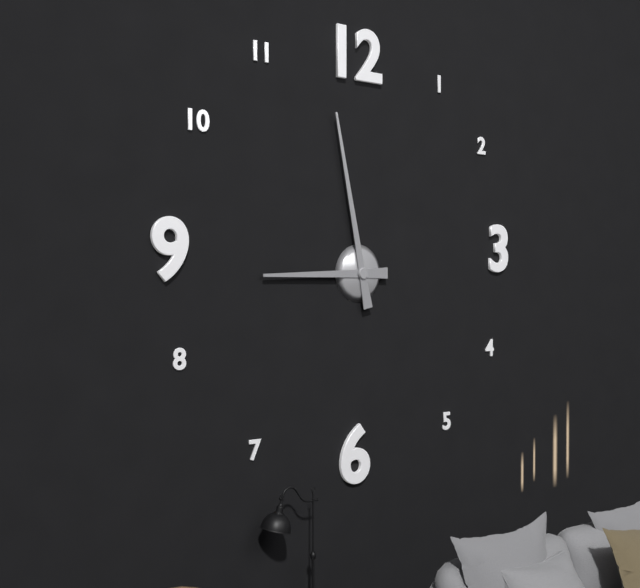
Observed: 8.58
